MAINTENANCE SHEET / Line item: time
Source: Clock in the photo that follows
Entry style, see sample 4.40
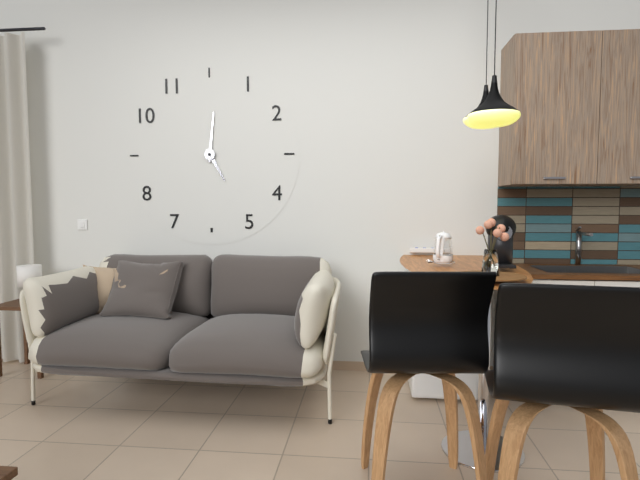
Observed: 5.01
